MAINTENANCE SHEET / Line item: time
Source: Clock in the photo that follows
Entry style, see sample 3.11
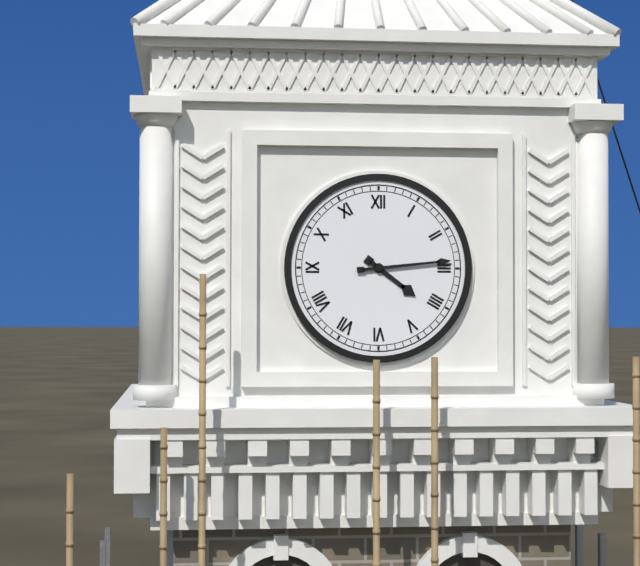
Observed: 4.14
